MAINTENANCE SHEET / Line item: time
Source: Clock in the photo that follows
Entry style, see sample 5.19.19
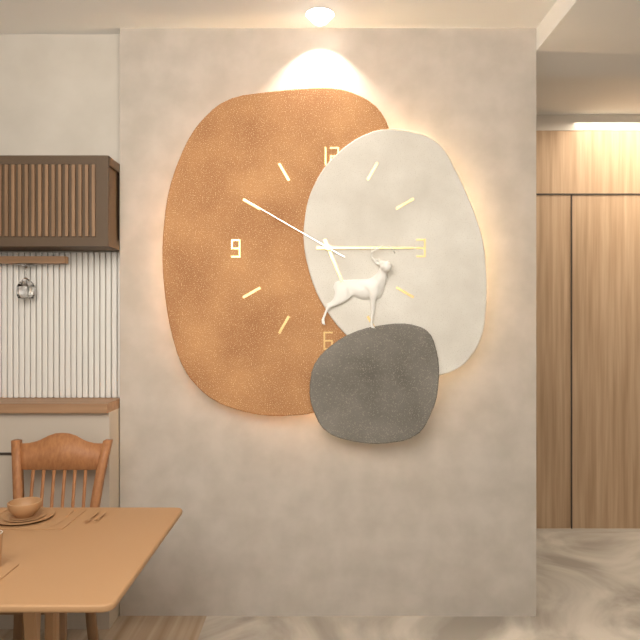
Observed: 5.15.50
